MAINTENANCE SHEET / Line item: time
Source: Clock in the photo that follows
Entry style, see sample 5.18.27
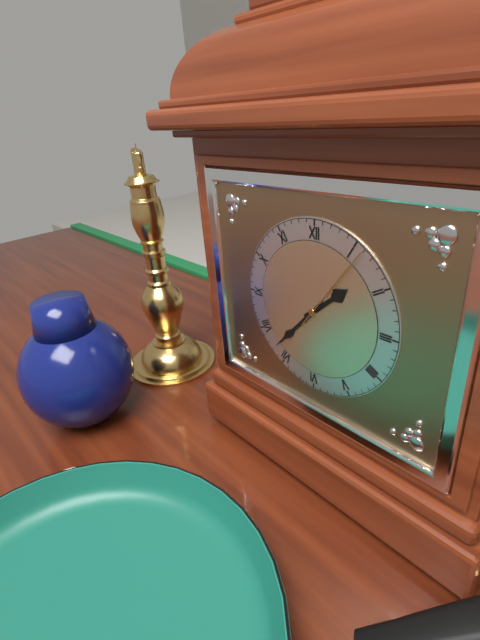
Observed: 1.37.06
